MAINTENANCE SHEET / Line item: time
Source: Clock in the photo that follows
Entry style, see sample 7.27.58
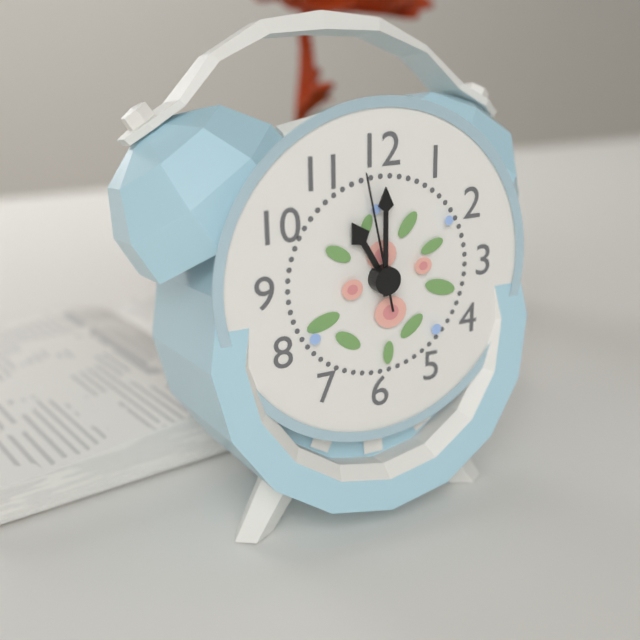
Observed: 11.00.58
